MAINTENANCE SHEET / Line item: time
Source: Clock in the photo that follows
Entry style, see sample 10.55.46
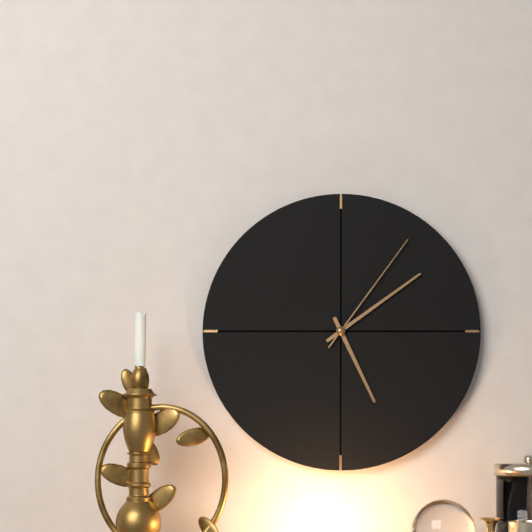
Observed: 5.09.06
